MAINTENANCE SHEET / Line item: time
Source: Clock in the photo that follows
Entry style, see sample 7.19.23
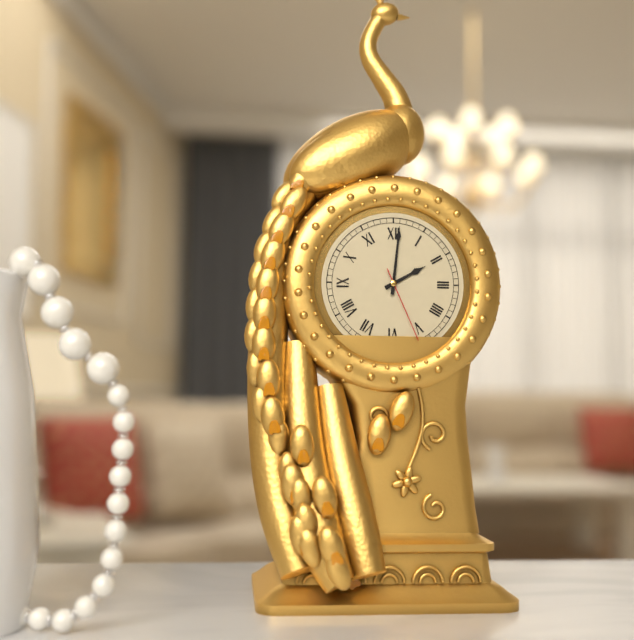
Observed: 2.01.26
